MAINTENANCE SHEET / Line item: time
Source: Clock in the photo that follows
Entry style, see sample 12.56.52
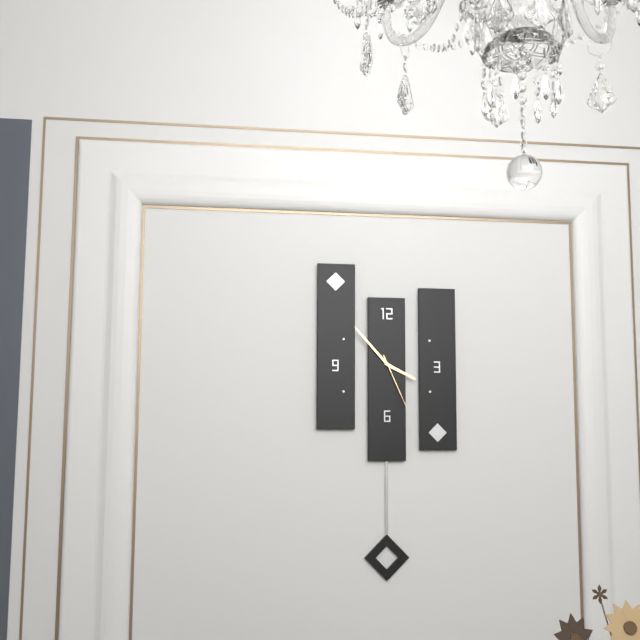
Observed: 3.53.26
